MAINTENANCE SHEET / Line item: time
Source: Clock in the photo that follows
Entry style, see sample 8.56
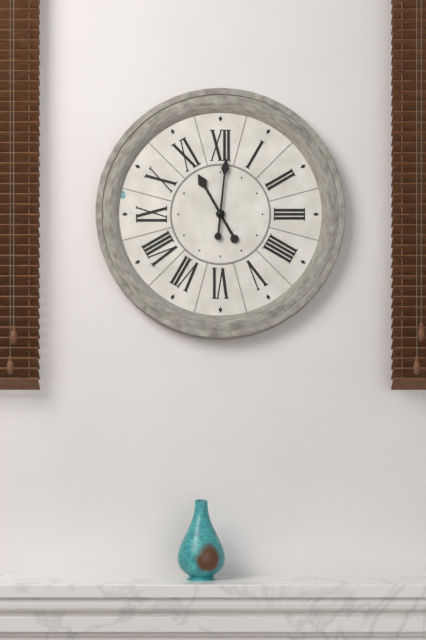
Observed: 11.01
